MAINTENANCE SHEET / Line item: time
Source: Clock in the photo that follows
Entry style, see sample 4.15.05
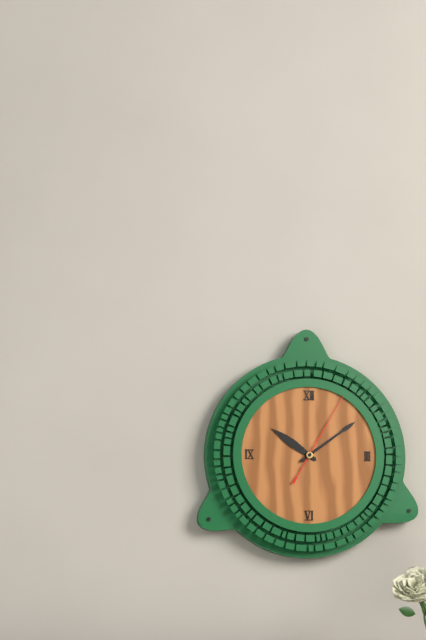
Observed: 10.09.05
